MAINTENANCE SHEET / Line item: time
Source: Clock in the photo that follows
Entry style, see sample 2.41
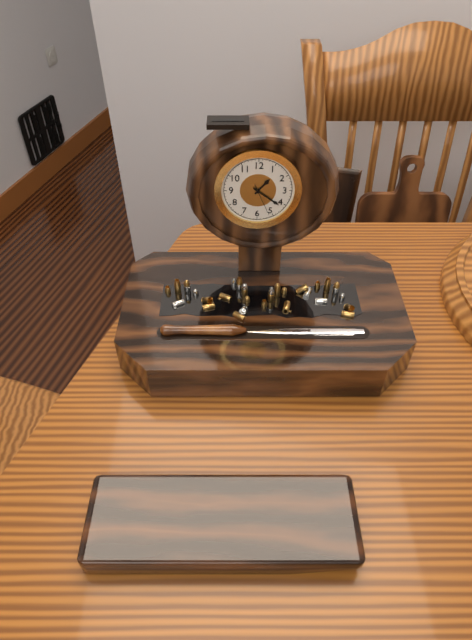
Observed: 1.21
